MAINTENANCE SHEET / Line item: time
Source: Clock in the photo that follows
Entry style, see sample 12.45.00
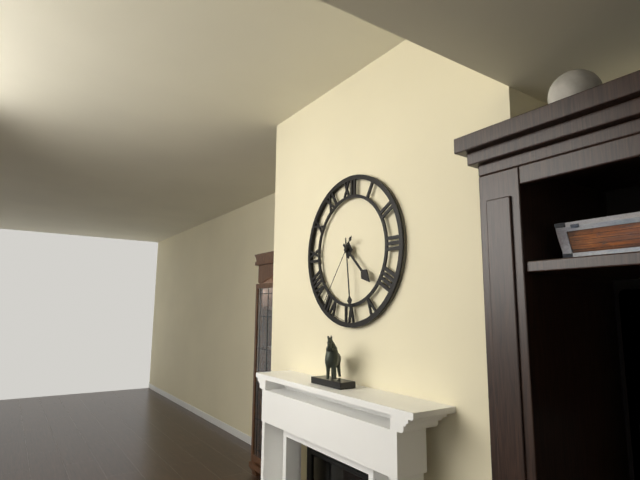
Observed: 4.29.36
